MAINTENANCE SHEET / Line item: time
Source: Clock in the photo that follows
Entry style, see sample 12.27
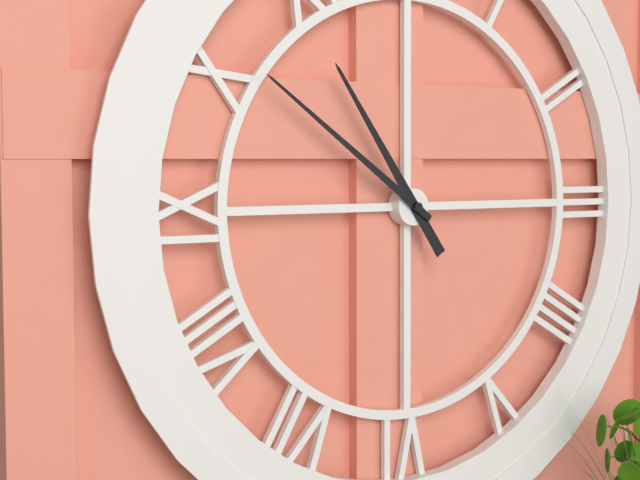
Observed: 10.51
